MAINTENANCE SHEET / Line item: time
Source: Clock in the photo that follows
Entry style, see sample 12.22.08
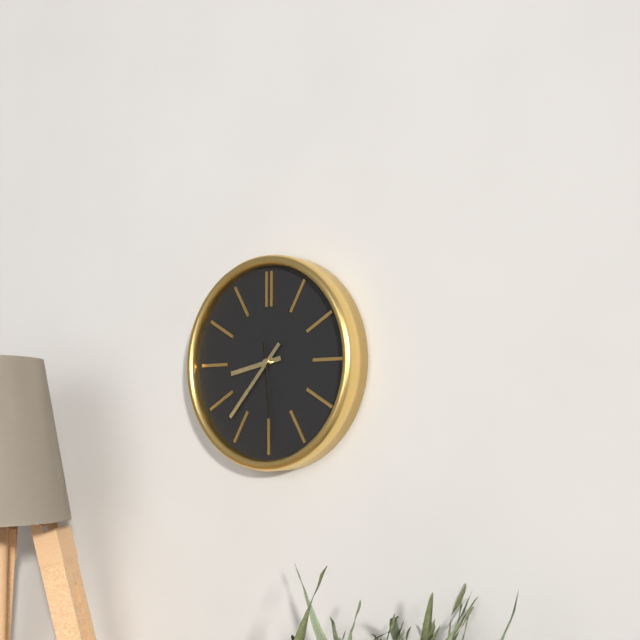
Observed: 8.37.29
